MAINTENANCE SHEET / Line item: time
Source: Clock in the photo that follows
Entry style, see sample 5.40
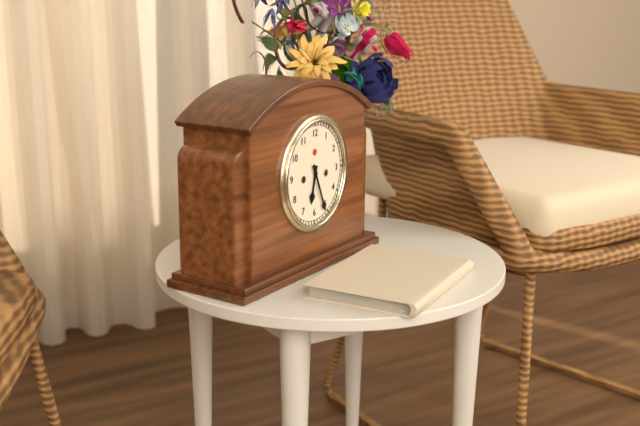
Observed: 6.26
